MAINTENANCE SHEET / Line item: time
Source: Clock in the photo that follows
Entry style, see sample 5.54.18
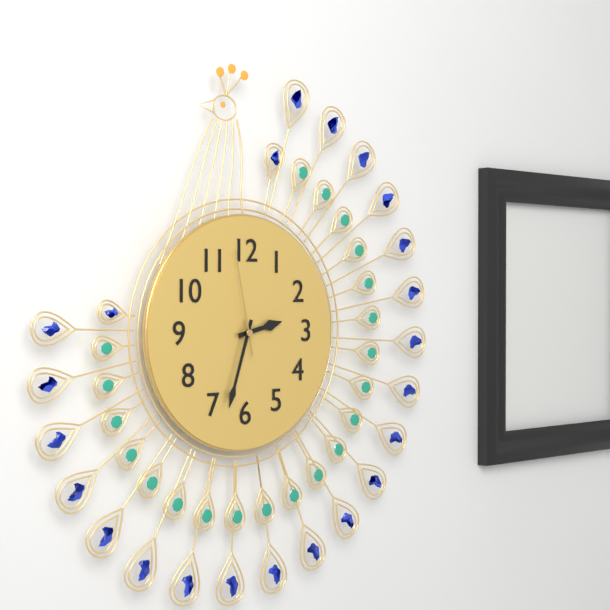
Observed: 2.33.58
